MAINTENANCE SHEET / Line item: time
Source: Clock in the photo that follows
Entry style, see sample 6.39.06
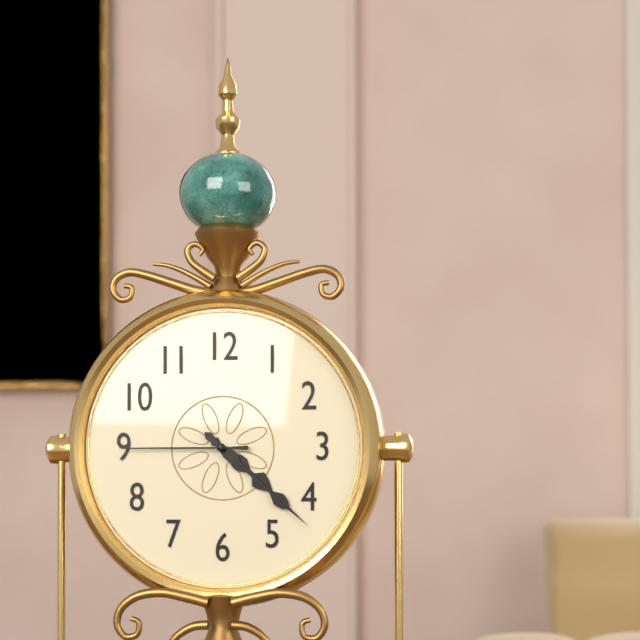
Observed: 4.22.45
